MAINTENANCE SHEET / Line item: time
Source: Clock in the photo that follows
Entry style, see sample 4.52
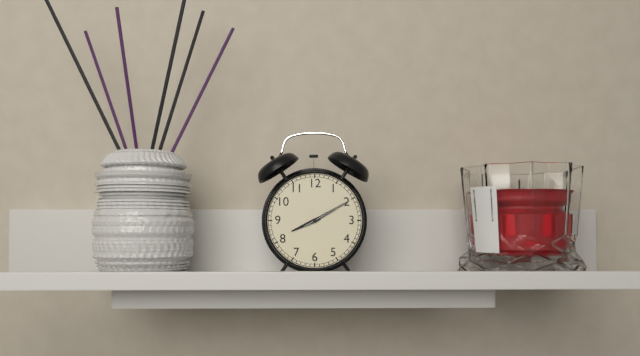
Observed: 8.10
